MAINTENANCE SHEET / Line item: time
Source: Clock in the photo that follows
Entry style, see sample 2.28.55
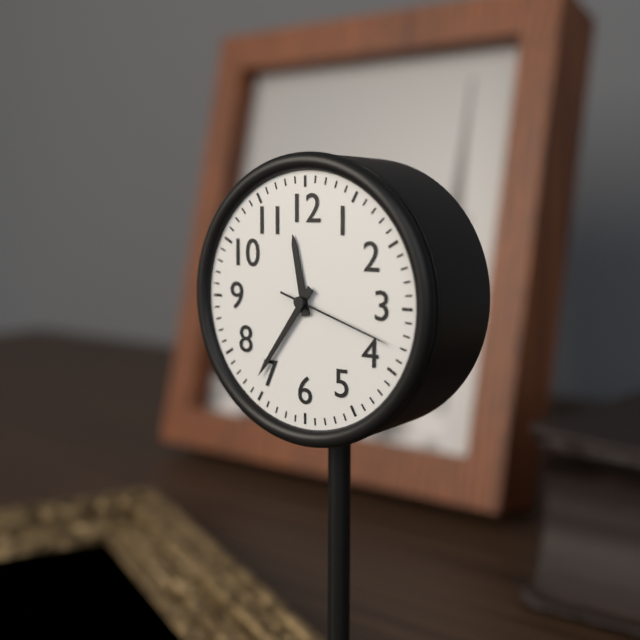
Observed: 11.36.18
